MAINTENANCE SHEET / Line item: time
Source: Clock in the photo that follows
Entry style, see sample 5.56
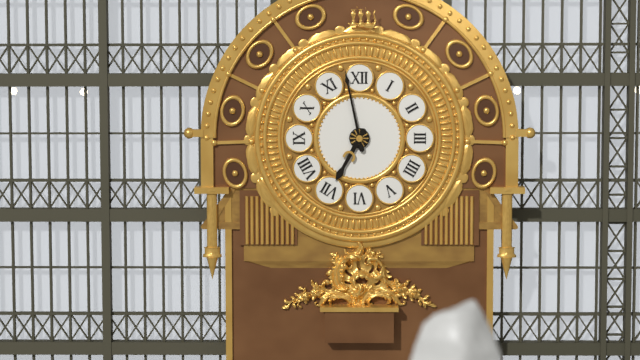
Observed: 6.58
